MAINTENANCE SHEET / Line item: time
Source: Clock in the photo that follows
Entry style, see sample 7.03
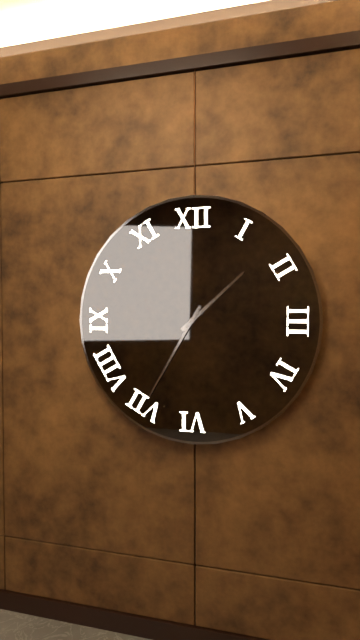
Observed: 1.35
